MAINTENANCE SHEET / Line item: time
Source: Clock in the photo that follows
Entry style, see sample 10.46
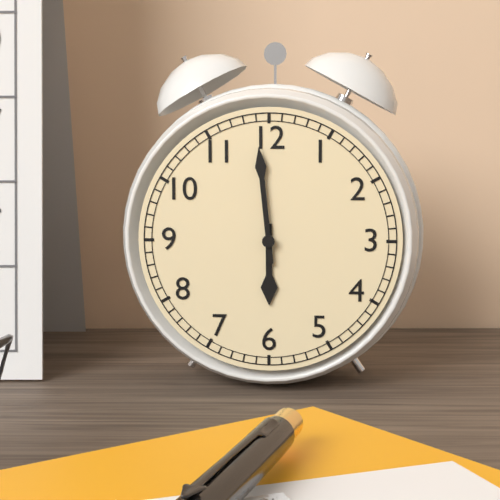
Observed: 5.59
